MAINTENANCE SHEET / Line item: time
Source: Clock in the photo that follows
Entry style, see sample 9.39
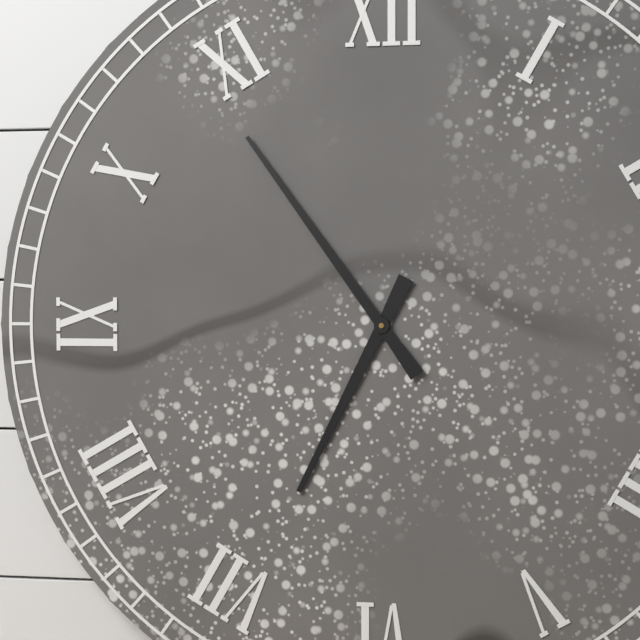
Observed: 6.54
